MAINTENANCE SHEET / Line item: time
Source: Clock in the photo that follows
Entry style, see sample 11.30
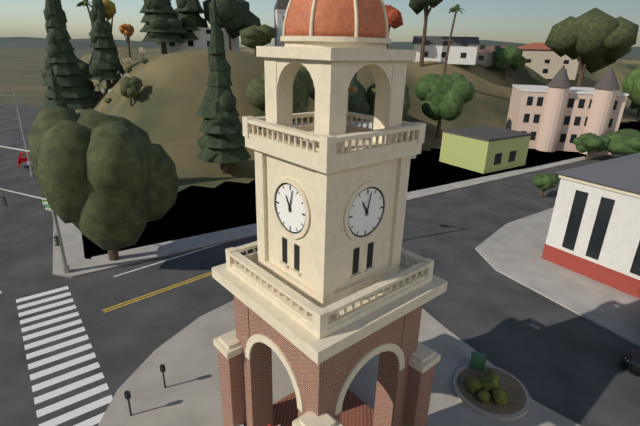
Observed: 11.02
